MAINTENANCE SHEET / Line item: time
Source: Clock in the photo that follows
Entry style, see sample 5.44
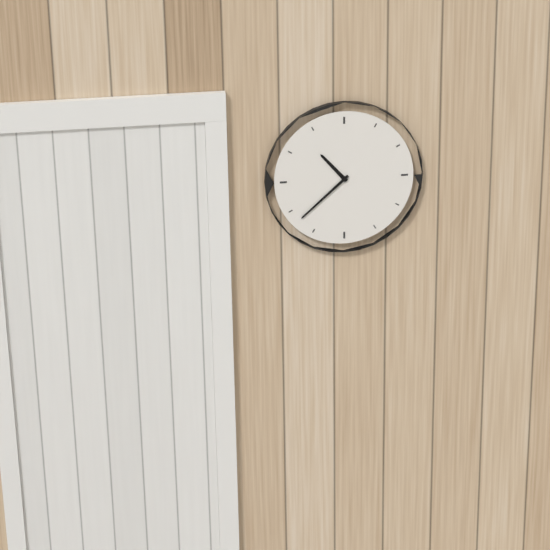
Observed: 10.38
